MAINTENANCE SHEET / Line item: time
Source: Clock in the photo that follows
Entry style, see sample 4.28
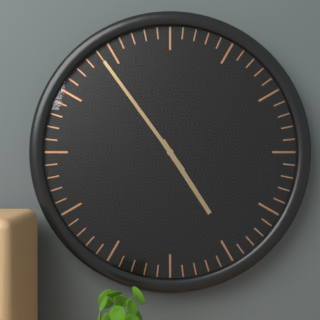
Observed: 4.54
